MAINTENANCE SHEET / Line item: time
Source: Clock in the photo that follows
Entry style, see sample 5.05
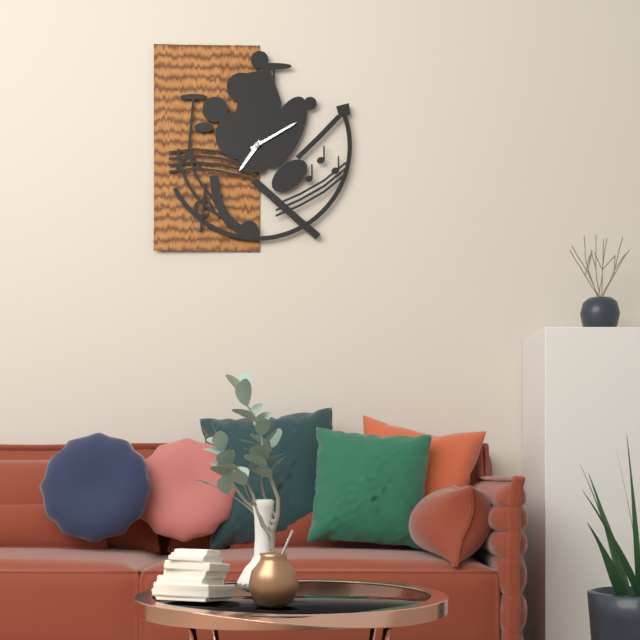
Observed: 7.10
